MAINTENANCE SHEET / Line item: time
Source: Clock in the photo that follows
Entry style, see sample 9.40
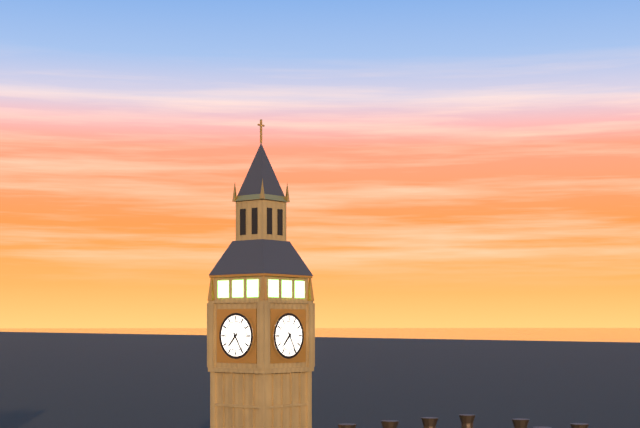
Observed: 7.25
